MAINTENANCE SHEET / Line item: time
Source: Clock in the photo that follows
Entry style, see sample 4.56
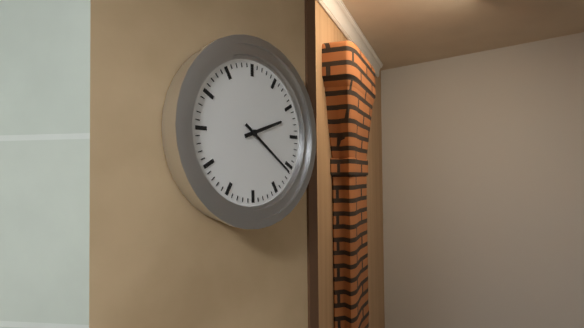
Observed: 2.21
